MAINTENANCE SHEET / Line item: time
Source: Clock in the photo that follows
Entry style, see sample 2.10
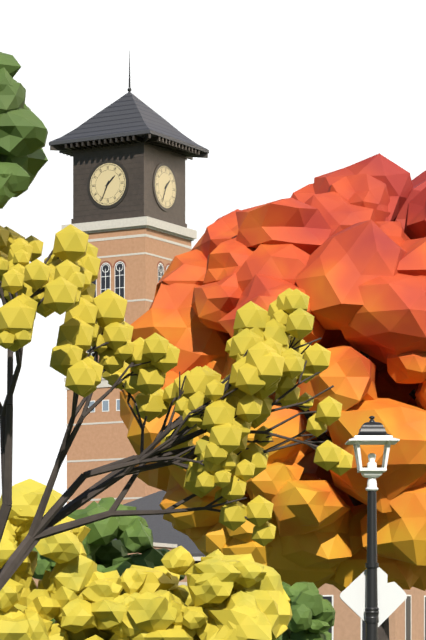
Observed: 1.34
